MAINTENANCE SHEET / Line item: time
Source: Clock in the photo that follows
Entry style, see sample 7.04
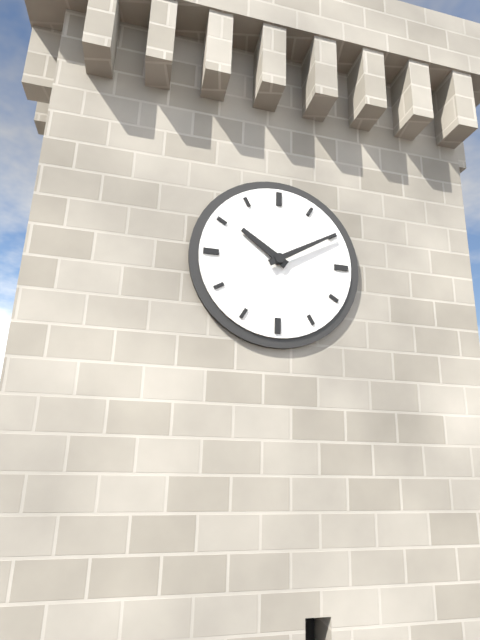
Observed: 10.10
